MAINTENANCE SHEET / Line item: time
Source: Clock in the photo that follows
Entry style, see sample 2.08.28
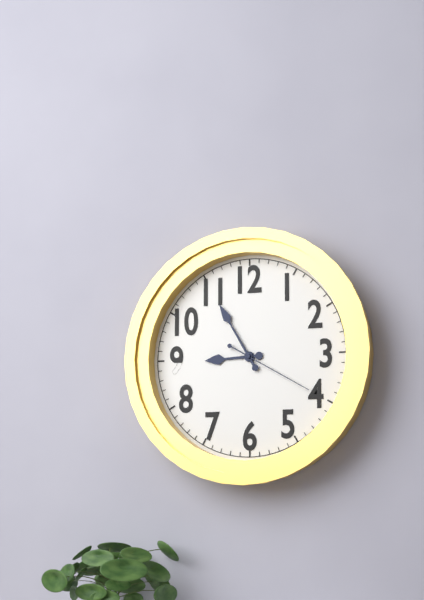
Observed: 8.55.20
